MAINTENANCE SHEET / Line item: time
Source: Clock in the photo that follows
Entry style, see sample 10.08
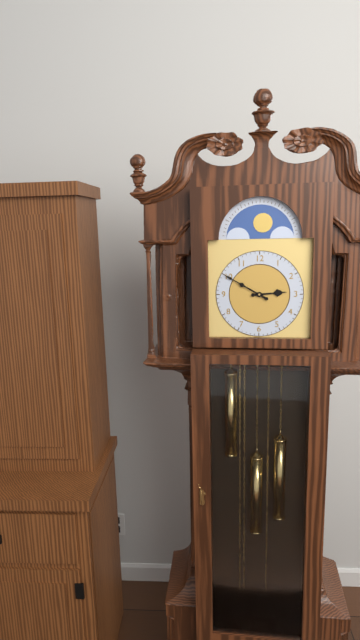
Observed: 2.50
